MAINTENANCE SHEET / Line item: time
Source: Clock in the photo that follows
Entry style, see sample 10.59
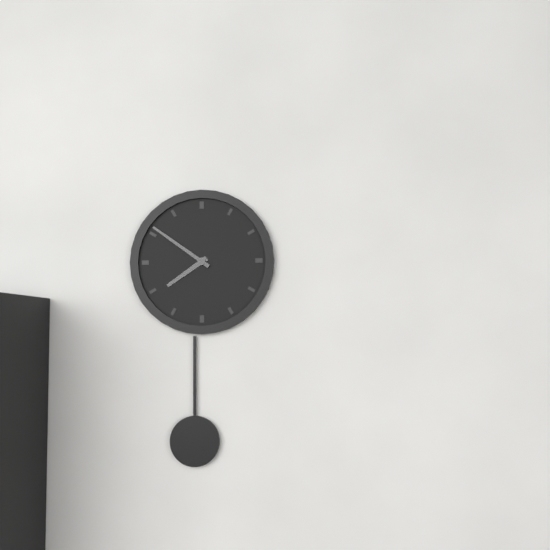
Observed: 7.51
